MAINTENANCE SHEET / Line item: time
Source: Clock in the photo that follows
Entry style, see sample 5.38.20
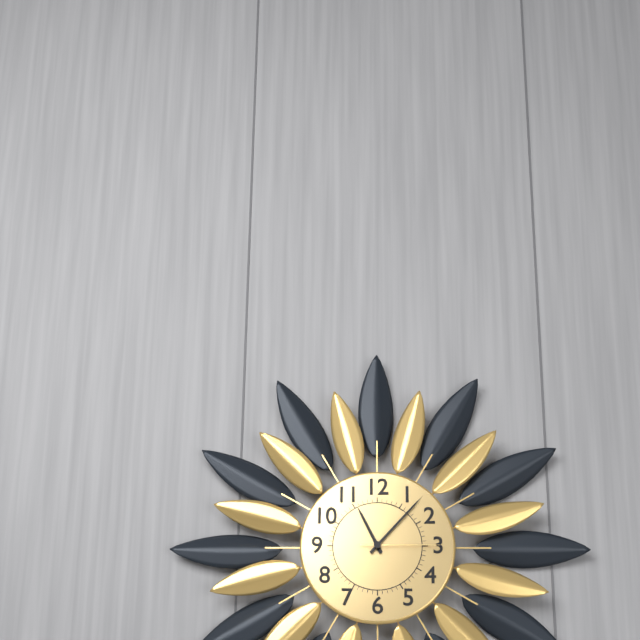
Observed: 11.07.15
